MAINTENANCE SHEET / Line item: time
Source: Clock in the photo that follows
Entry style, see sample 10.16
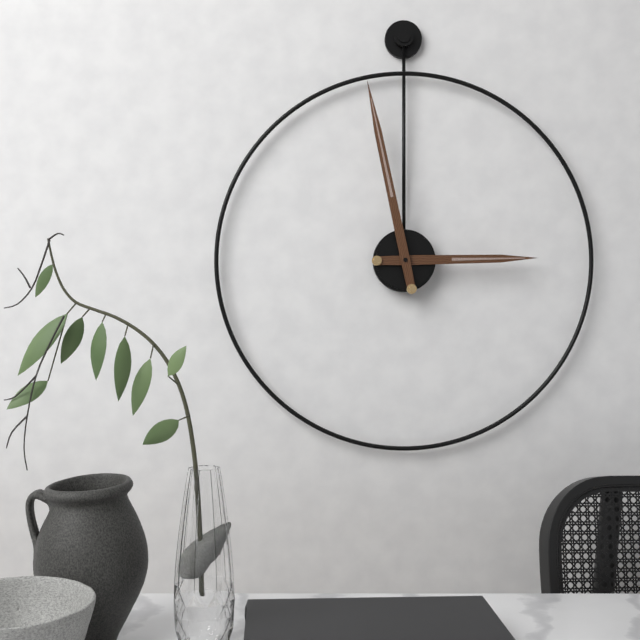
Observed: 2.58
